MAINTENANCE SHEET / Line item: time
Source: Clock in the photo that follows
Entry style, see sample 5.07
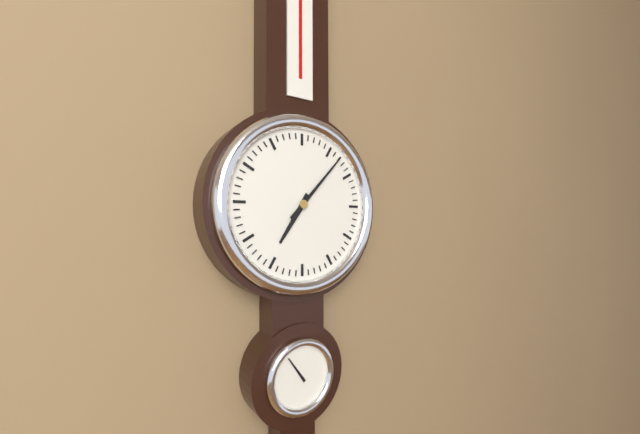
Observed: 7.07
